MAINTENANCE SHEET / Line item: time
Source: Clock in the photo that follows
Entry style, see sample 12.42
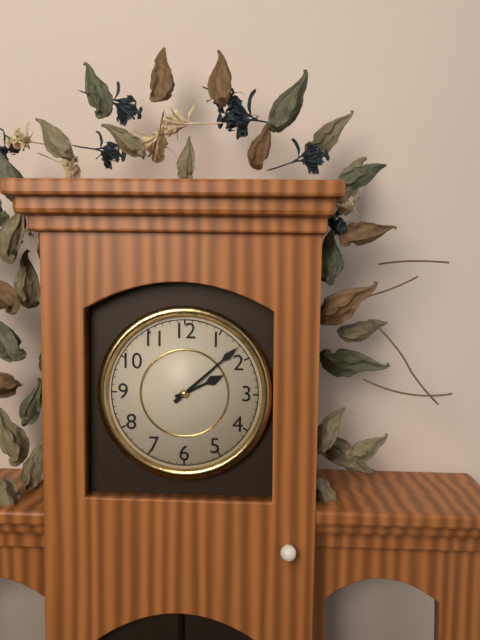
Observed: 2.08
